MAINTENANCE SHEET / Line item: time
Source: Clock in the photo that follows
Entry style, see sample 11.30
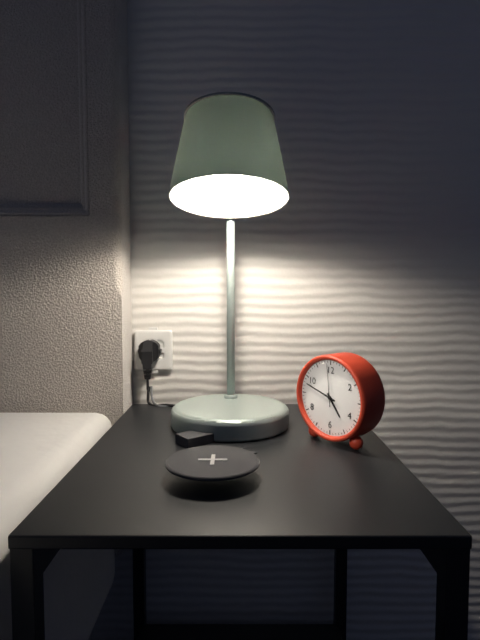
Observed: 4.48
